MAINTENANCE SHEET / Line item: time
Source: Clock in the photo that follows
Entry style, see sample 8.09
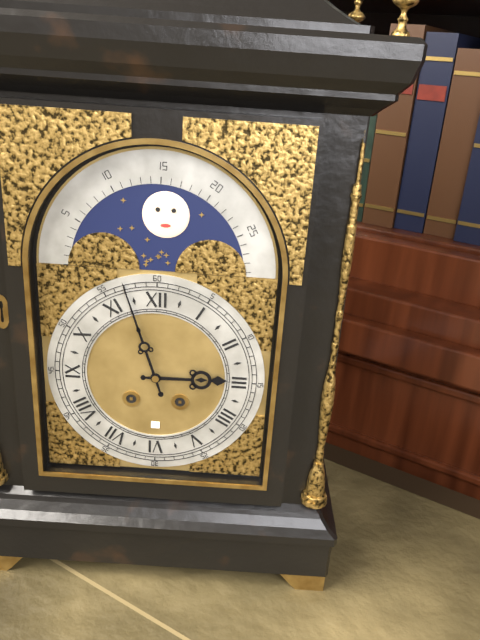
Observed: 2.57
